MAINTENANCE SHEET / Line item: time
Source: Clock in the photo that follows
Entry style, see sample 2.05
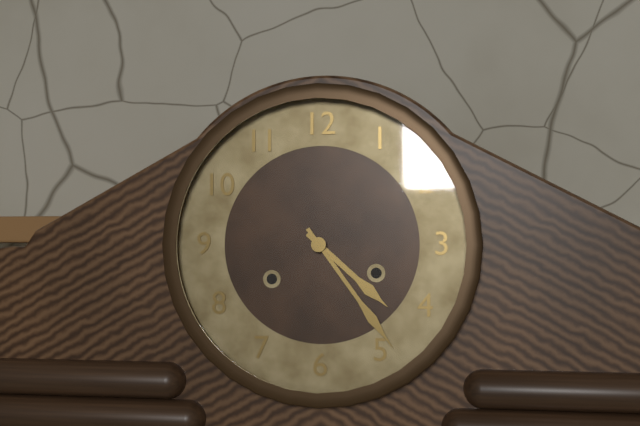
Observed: 4.24
